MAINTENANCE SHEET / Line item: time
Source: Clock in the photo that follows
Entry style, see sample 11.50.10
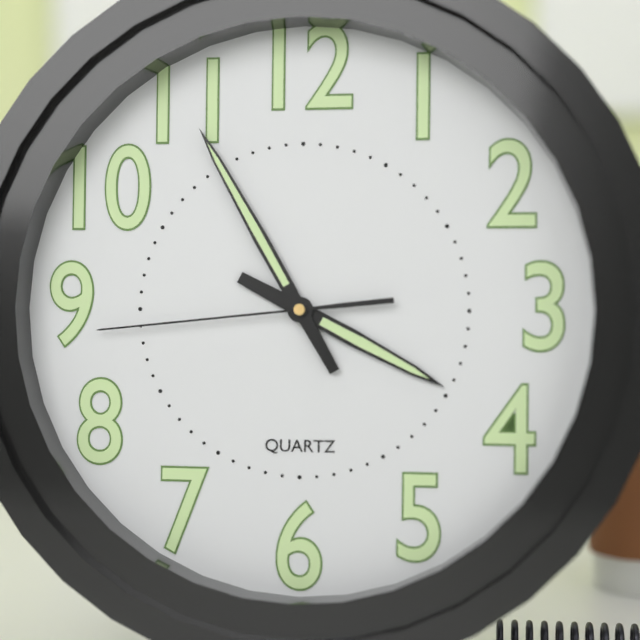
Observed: 3.55.44
